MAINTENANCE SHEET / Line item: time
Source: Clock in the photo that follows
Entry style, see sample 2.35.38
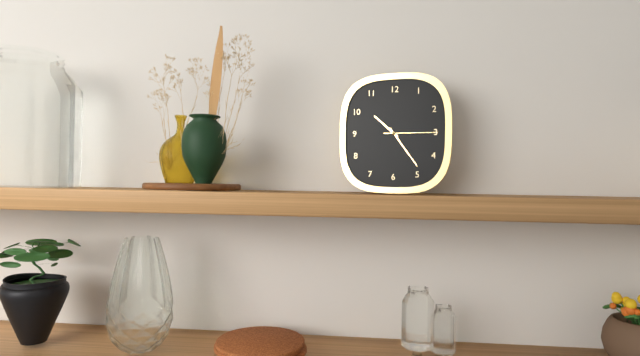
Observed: 10.24.15
